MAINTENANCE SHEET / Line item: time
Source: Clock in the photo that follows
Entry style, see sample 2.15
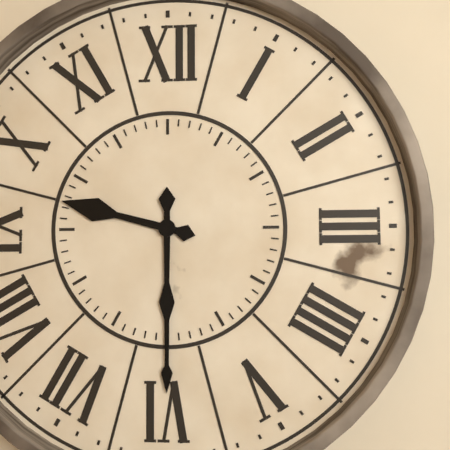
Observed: 9.30
